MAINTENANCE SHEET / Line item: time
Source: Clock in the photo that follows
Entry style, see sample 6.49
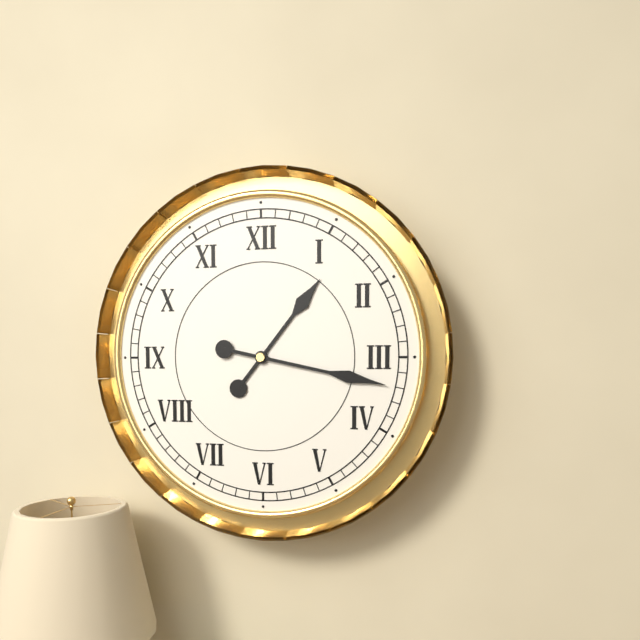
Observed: 1.17
